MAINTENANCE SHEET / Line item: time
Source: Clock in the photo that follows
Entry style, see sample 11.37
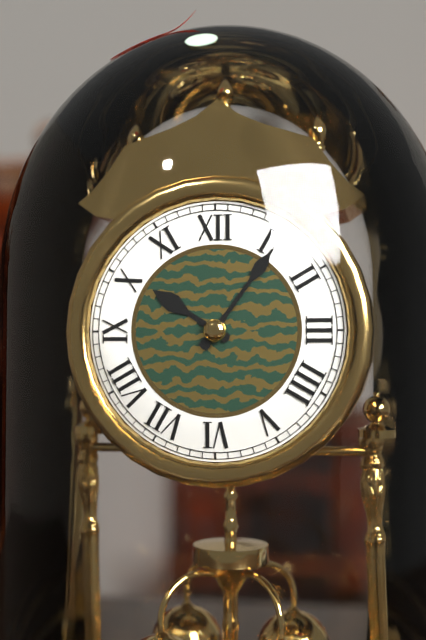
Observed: 10.06
